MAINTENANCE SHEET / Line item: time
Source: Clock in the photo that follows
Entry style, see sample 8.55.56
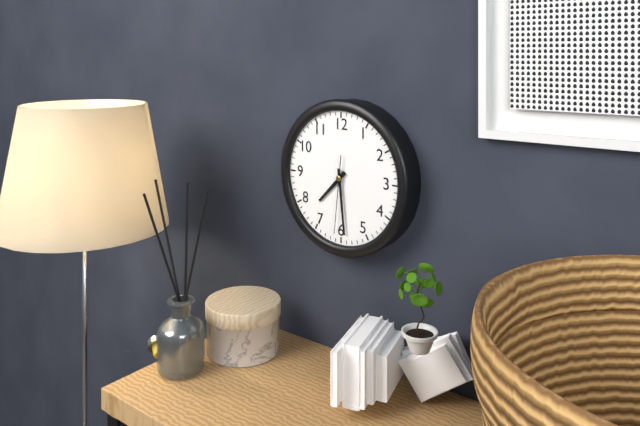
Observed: 7.29.31
